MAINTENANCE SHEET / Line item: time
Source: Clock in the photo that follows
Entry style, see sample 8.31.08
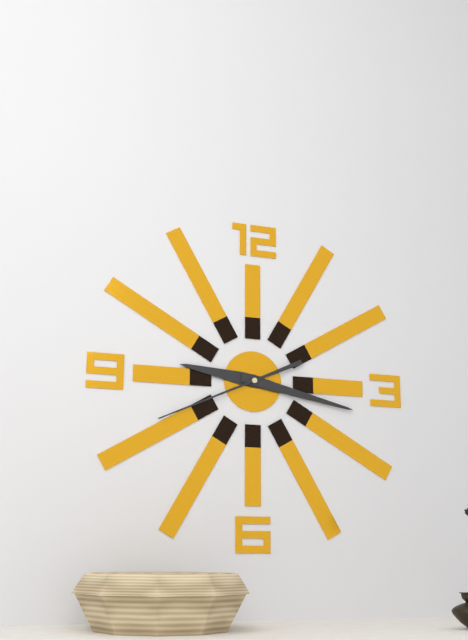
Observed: 9.17.41
